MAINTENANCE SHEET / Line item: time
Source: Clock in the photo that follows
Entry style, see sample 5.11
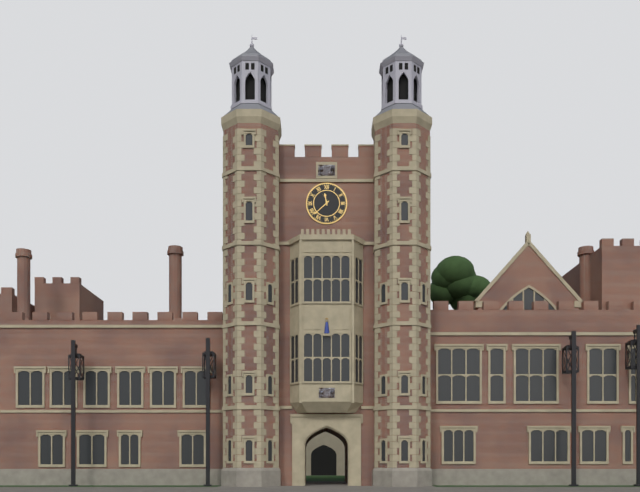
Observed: 11.38
